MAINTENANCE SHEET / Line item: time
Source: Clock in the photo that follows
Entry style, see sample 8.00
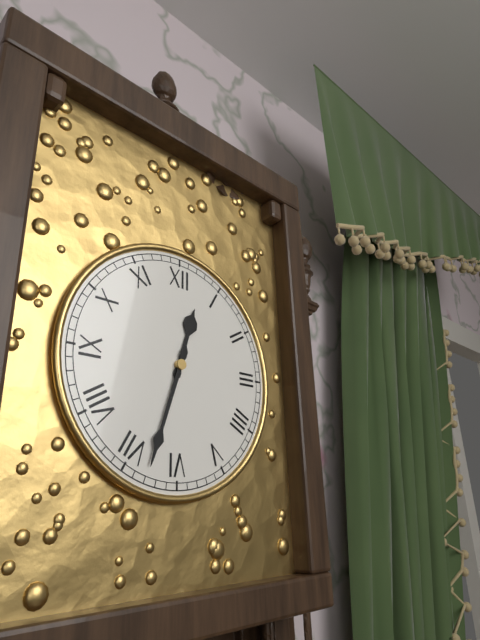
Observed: 12.33
